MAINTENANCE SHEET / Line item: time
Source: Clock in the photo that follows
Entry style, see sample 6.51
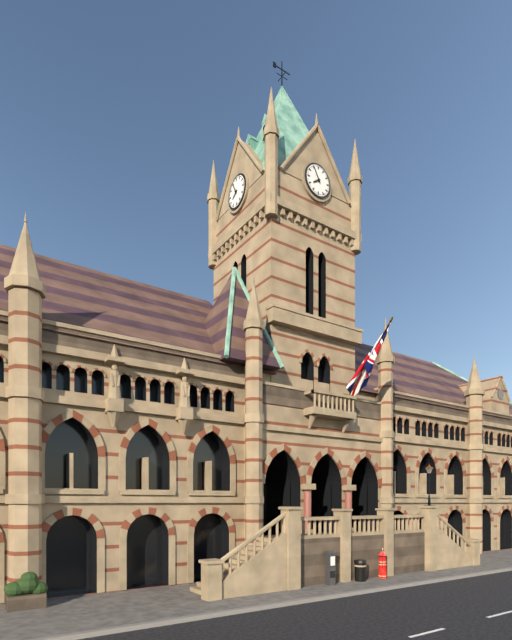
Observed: 7.55
